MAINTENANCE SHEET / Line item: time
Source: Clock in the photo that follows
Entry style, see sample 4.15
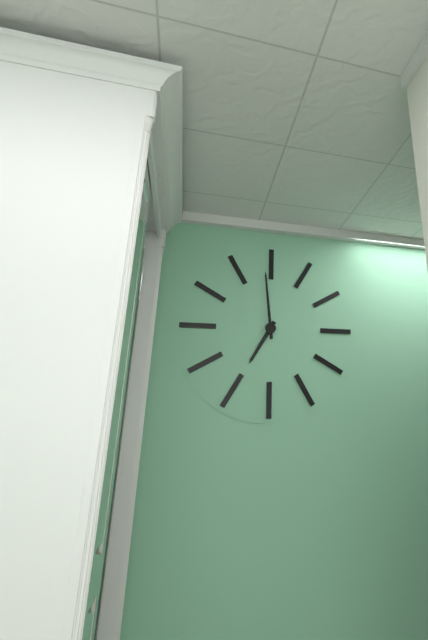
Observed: 6.59
